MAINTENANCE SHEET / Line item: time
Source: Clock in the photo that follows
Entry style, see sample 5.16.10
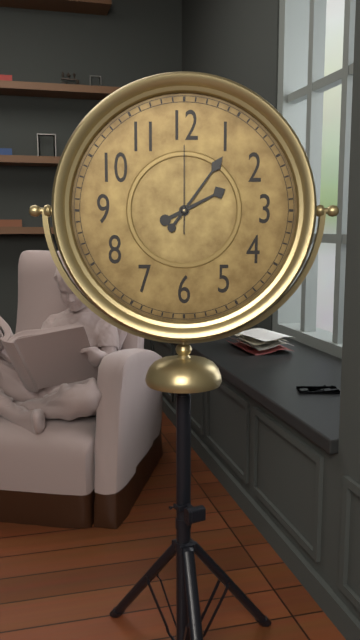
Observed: 2.06.00
